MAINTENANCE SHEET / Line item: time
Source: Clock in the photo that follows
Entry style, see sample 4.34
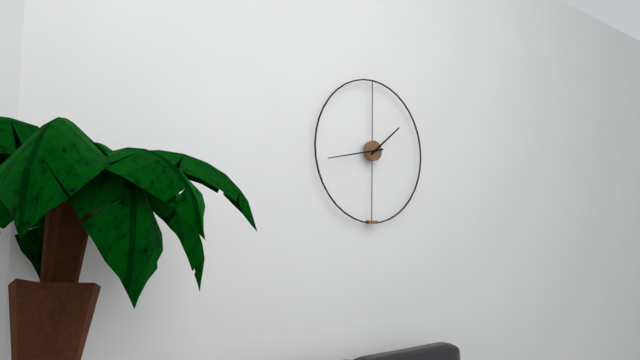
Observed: 1.43
